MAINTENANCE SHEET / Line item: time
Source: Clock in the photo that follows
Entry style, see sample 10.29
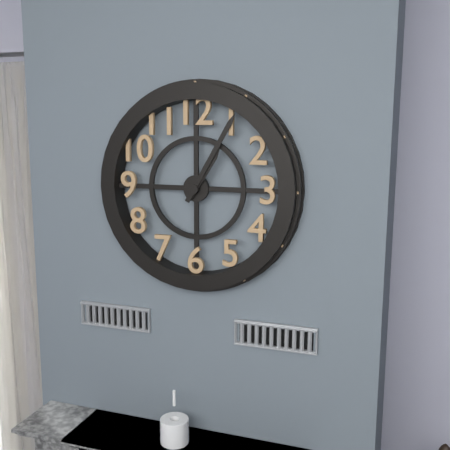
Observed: 1.05
